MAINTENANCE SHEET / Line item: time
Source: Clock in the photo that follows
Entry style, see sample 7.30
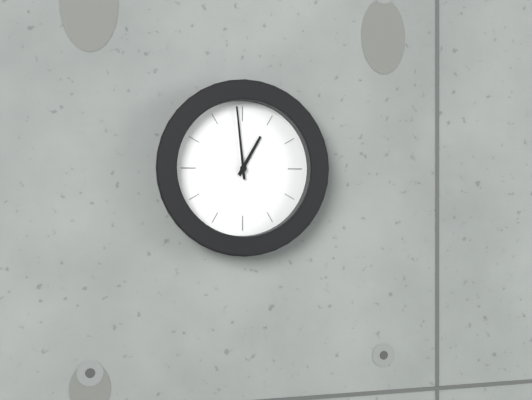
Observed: 12.59
